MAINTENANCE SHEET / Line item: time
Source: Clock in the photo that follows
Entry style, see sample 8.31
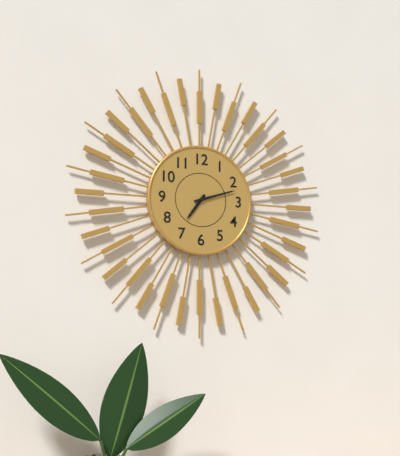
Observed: 7.12
